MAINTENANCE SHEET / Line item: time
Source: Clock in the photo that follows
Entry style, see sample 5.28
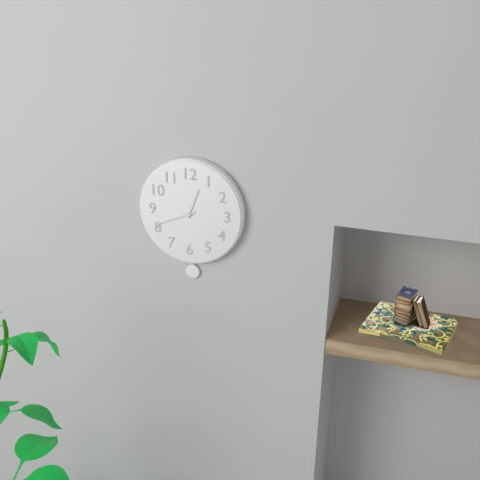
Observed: 12.41
